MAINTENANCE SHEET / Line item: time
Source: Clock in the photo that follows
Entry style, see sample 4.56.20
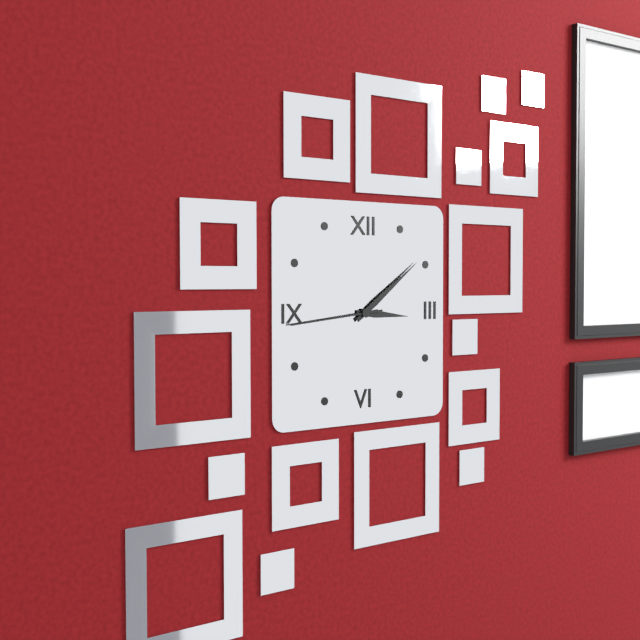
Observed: 3.09.44
